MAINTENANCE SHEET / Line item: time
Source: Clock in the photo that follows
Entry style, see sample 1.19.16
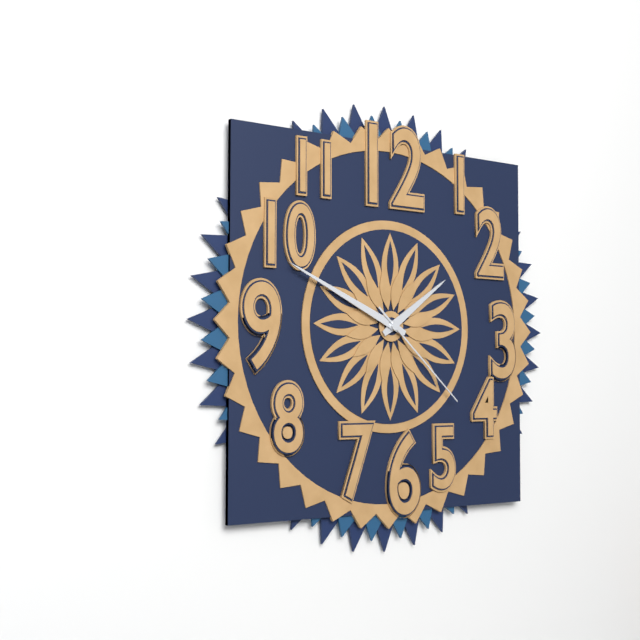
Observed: 1.49.22
